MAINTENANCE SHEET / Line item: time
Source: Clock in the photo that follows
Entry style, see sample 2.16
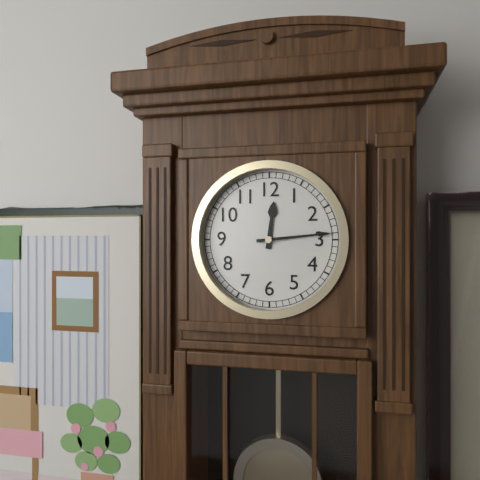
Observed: 12.14
